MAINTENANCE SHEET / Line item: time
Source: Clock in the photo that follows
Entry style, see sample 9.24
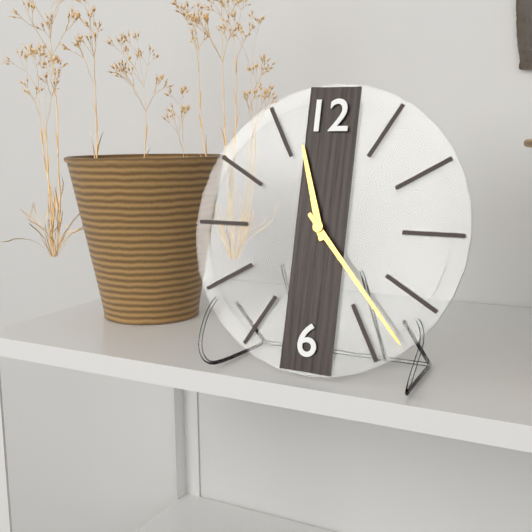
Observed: 11.23
